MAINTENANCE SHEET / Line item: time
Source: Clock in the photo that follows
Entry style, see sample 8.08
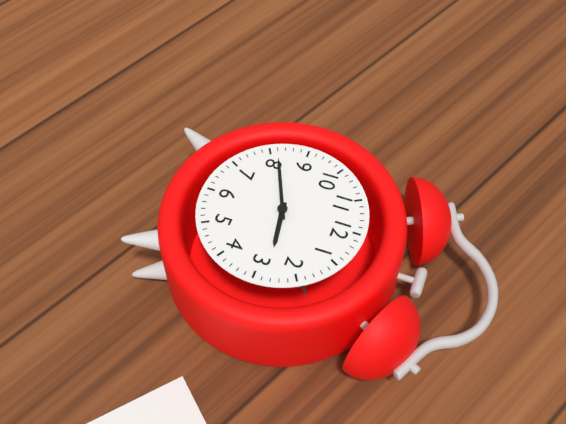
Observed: 2.41
